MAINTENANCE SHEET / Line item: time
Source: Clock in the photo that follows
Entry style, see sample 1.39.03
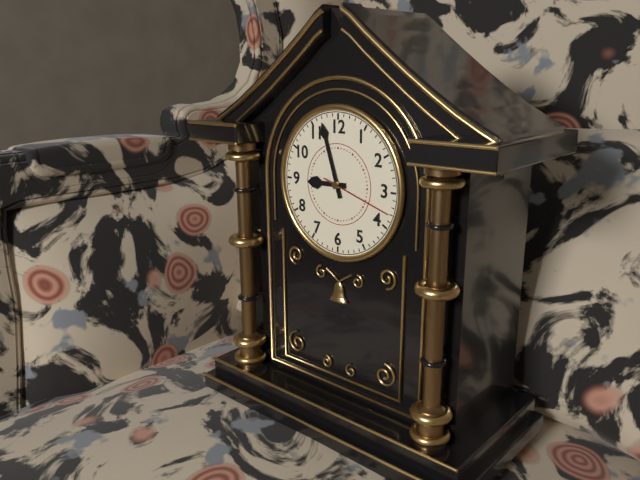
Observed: 8.57.18
